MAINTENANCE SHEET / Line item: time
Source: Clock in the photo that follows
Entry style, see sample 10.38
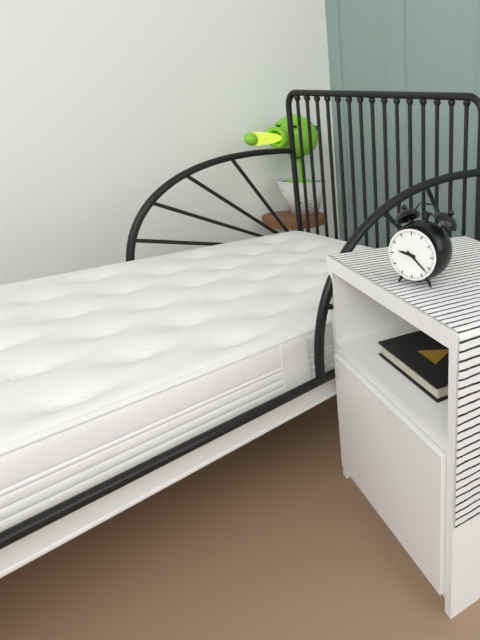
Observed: 9.22
